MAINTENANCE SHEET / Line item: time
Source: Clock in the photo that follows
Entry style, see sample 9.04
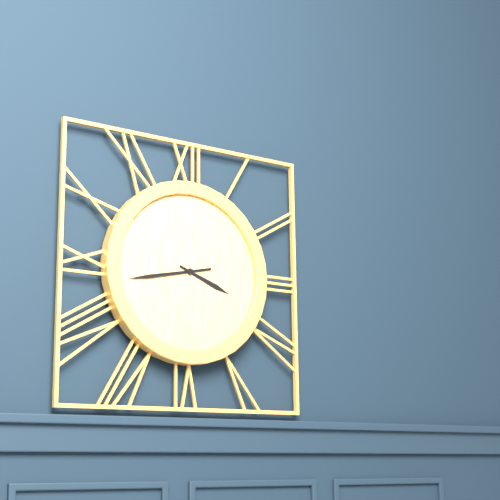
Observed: 3.43
